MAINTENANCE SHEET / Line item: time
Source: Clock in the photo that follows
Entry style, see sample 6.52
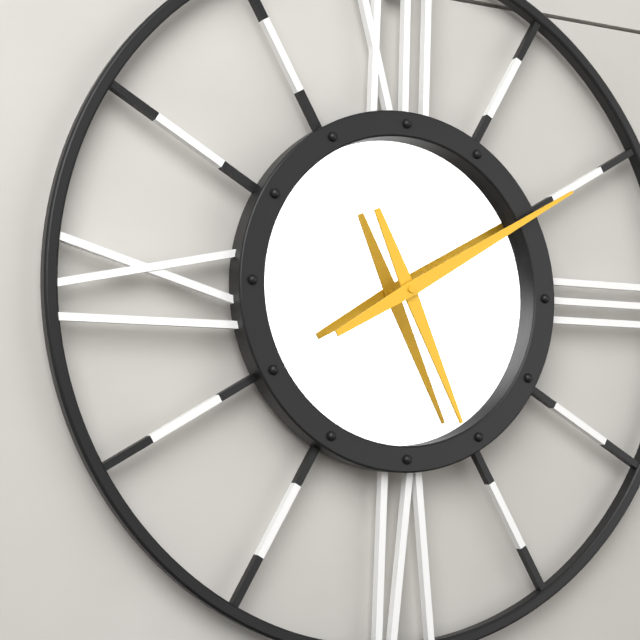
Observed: 5.10
